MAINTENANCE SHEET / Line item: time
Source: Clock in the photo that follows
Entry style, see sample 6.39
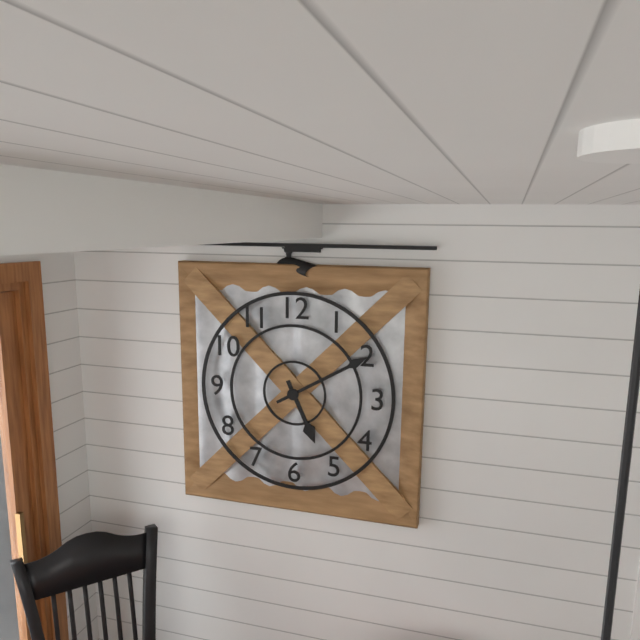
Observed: 5.10
